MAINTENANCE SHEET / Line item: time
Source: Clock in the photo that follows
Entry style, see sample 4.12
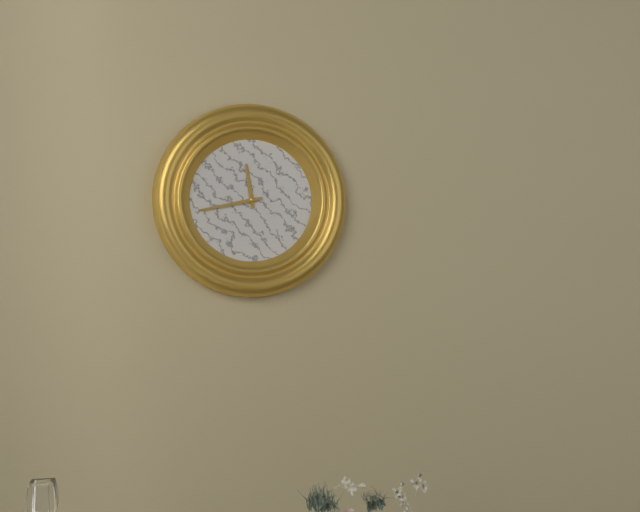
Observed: 11.43
